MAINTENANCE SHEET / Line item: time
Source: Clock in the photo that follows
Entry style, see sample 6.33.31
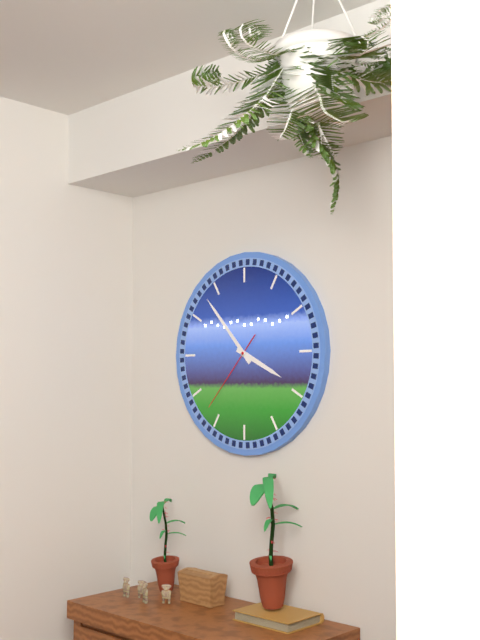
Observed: 3.53.37
